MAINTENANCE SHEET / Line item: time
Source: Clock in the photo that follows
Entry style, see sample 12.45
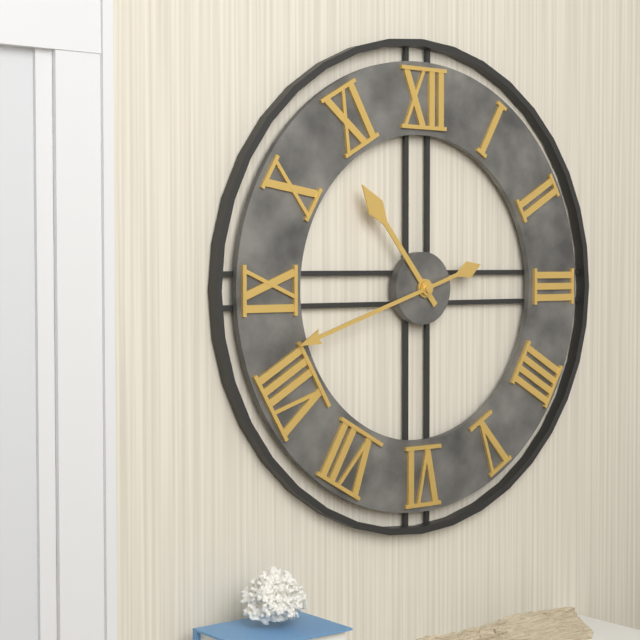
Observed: 10.42
